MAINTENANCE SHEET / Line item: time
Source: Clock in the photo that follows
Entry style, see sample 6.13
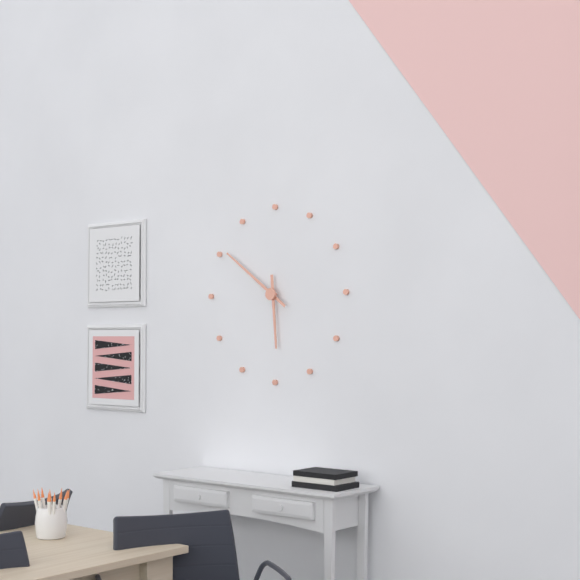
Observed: 5.51
